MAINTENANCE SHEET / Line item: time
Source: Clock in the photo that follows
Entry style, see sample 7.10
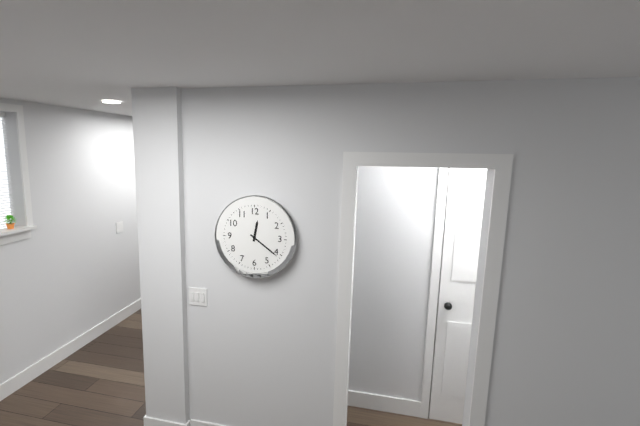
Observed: 12.21
